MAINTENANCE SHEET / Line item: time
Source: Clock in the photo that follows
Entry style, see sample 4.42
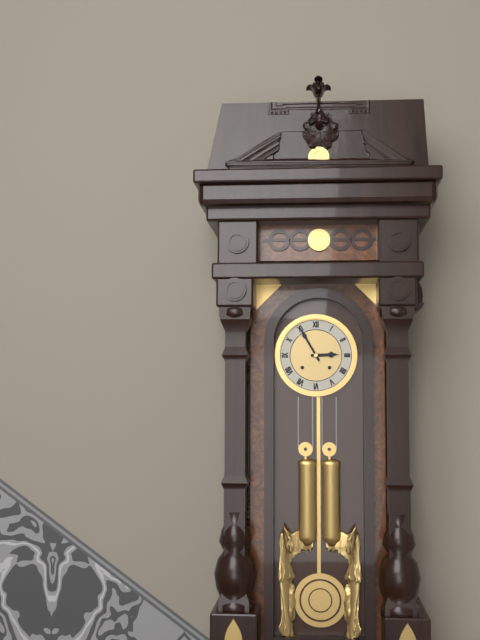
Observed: 2.55
